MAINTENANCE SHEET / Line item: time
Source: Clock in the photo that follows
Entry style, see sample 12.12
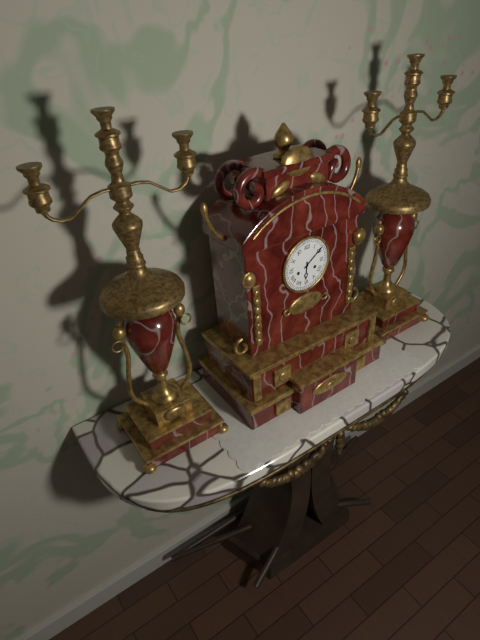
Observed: 6.09
